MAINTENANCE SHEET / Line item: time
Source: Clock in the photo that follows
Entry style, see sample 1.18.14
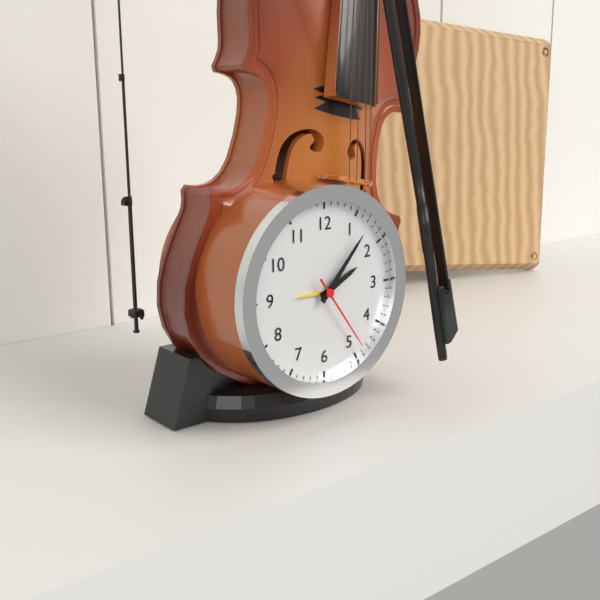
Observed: 2.07.24
